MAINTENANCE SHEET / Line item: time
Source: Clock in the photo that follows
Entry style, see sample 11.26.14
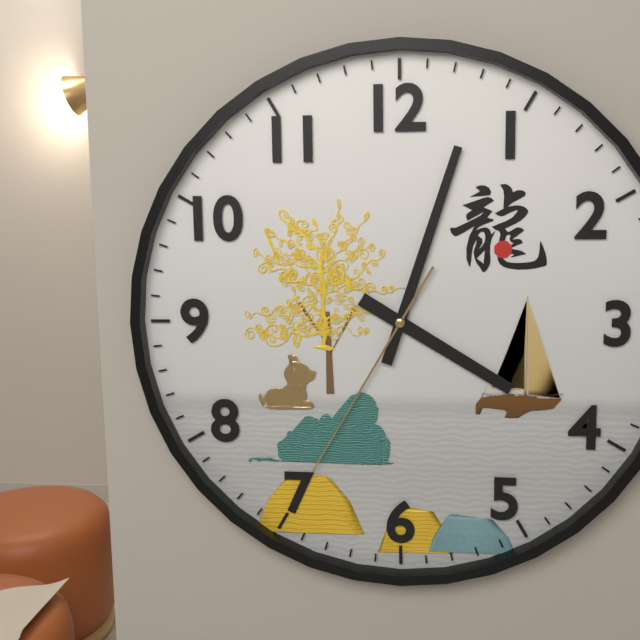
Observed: 4.03.35
